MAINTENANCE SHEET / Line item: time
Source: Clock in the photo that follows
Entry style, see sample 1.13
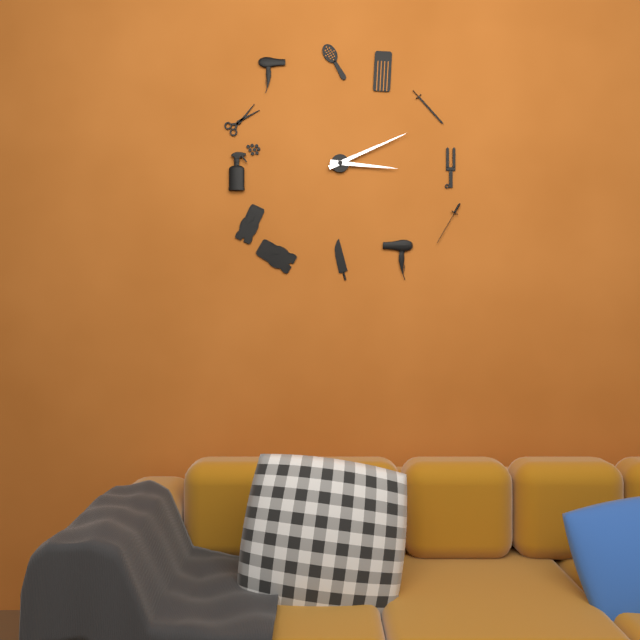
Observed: 3.11
